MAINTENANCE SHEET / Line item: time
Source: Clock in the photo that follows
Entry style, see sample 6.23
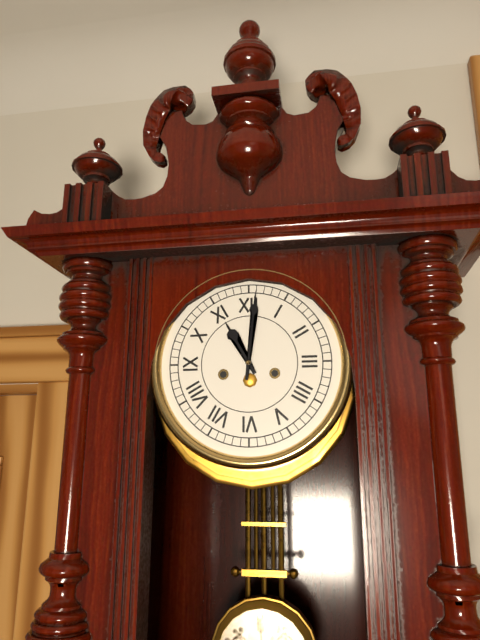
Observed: 11.01
